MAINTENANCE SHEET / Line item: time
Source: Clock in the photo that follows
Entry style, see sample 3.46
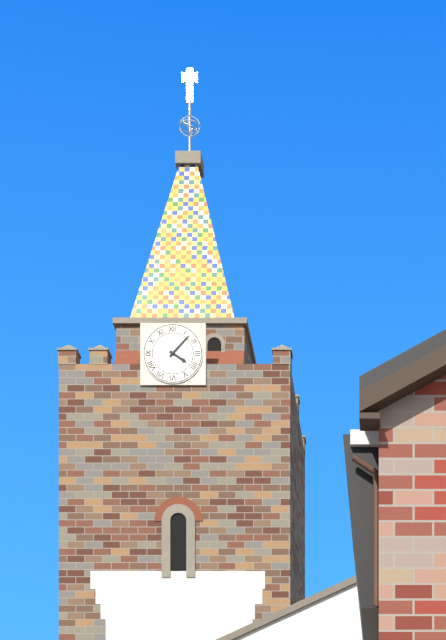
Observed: 4.07
